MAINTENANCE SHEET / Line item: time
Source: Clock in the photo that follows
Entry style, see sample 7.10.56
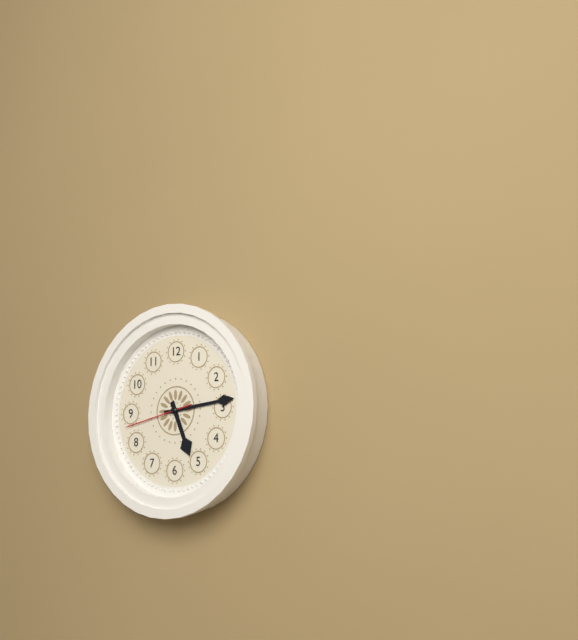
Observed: 5.14.43
